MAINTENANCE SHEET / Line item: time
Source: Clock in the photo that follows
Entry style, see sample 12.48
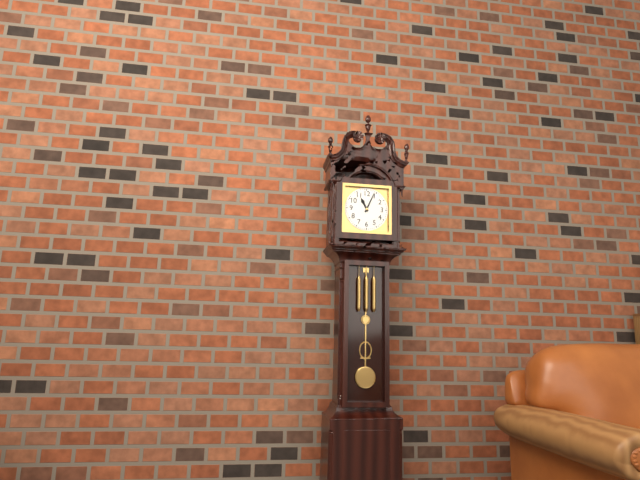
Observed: 11.04
